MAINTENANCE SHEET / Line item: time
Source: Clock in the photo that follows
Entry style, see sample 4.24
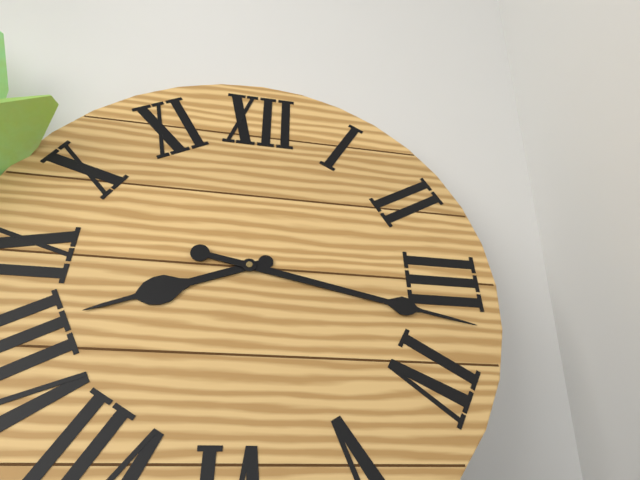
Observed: 8.17
